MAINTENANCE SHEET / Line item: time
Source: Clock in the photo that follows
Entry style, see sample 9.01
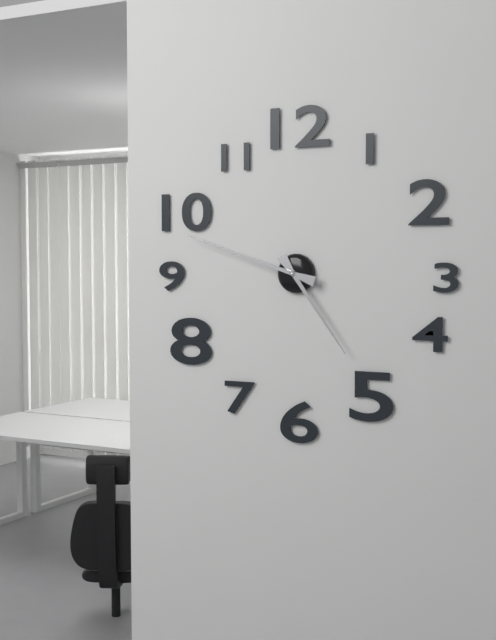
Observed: 4.48
